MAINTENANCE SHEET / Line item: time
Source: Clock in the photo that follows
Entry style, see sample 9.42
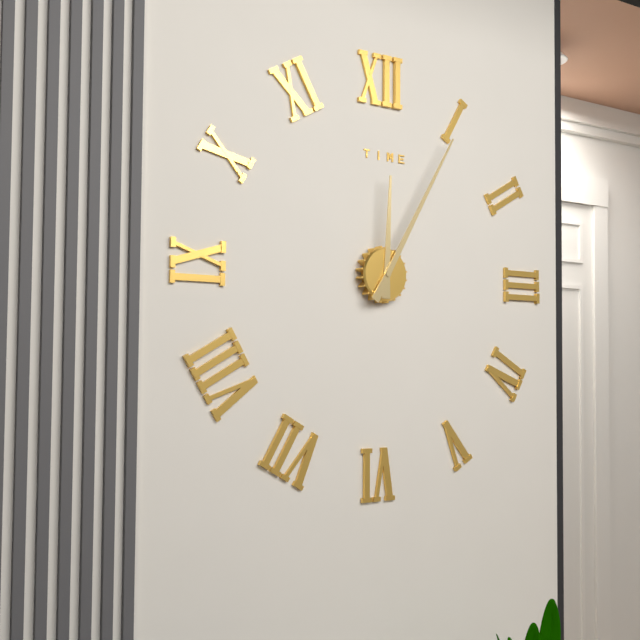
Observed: 12.05
